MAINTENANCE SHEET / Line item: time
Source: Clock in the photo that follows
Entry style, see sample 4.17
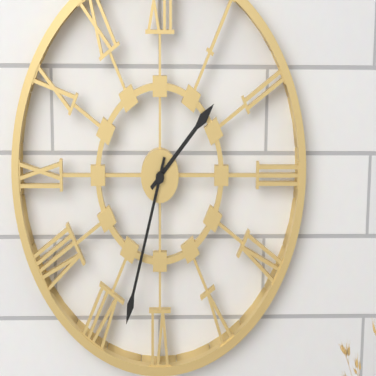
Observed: 1.33
